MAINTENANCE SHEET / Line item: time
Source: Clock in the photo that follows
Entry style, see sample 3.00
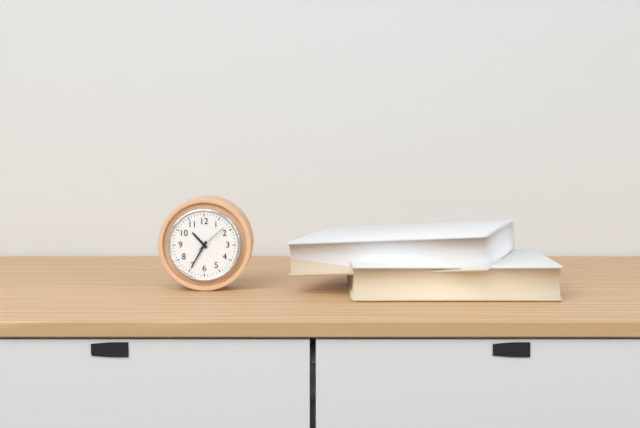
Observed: 10.35
